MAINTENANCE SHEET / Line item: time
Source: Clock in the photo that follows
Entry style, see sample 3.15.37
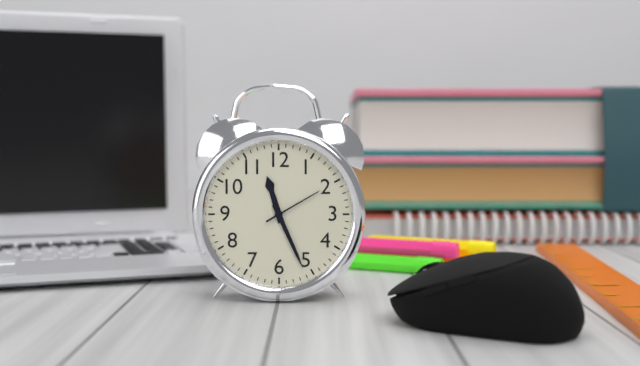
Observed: 11.26.10
